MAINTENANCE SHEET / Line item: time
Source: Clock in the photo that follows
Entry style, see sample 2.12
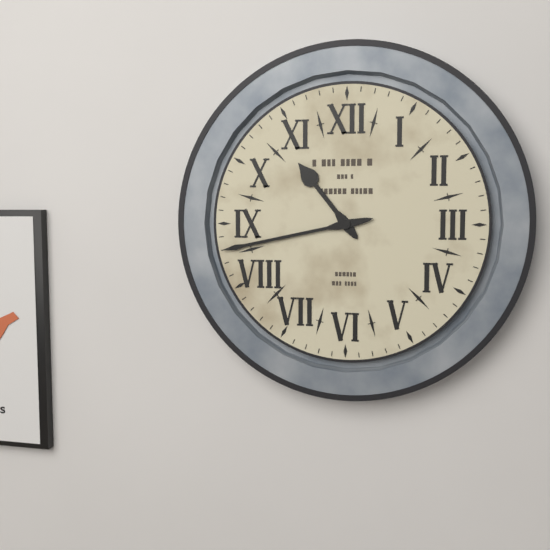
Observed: 10.43
